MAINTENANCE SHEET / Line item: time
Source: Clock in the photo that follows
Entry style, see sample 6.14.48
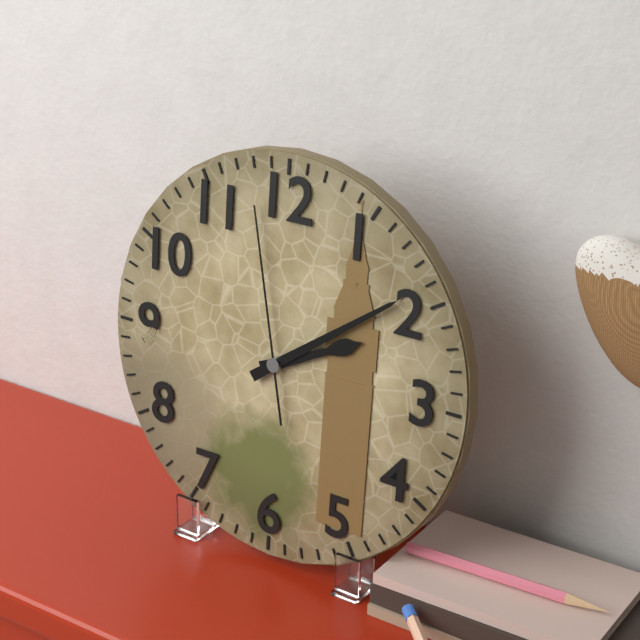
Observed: 2.09.58
